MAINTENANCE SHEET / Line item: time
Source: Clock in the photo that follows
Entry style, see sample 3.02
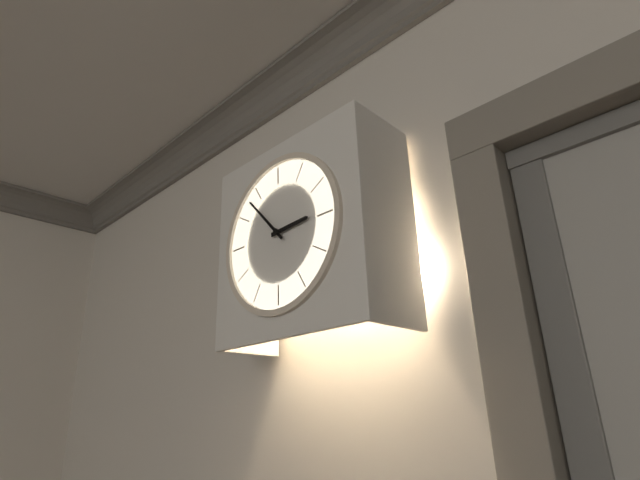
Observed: 2.53
